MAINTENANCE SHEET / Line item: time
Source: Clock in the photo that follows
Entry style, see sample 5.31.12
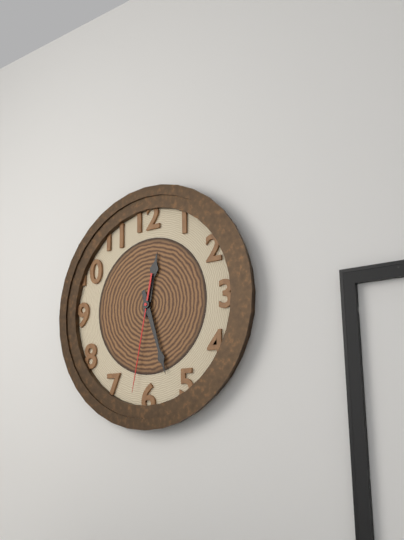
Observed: 12.27.32
